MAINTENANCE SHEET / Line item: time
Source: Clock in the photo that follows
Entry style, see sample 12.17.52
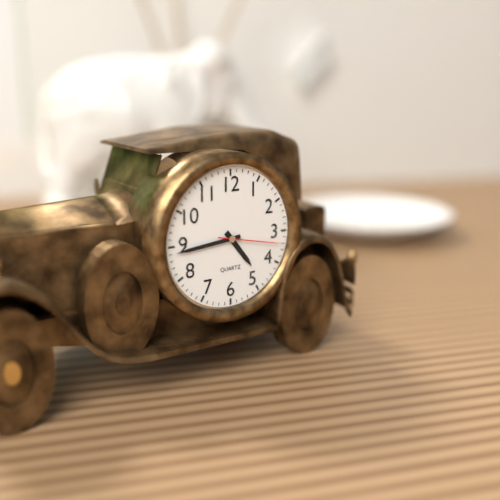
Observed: 4.44.17
